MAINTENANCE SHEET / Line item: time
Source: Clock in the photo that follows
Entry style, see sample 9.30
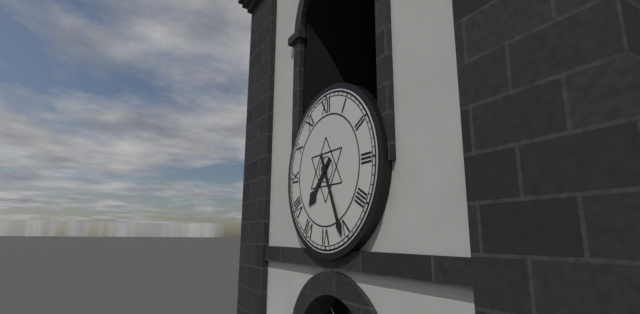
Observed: 7.26
